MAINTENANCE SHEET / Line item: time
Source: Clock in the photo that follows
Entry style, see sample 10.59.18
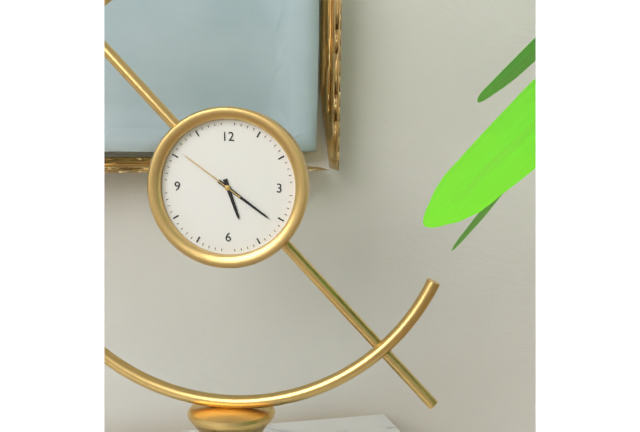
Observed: 5.21.51
